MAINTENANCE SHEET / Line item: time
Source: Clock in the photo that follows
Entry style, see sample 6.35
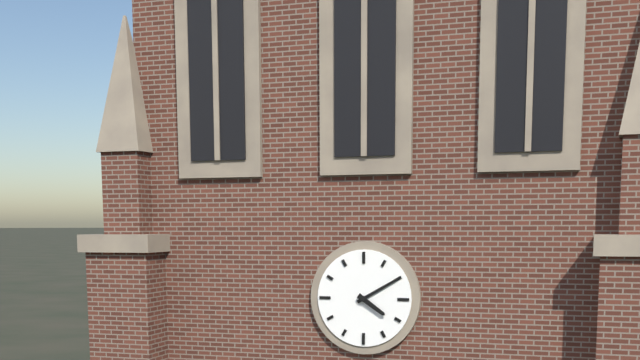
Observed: 4.10
